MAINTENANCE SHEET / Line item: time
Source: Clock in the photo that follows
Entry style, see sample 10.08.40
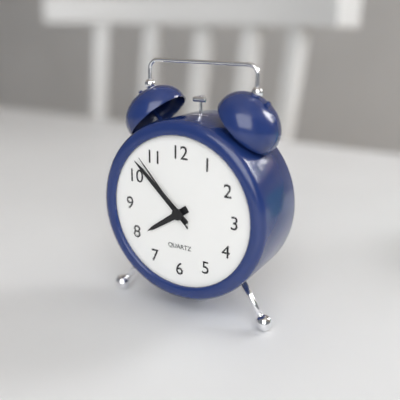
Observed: 7.52.53
